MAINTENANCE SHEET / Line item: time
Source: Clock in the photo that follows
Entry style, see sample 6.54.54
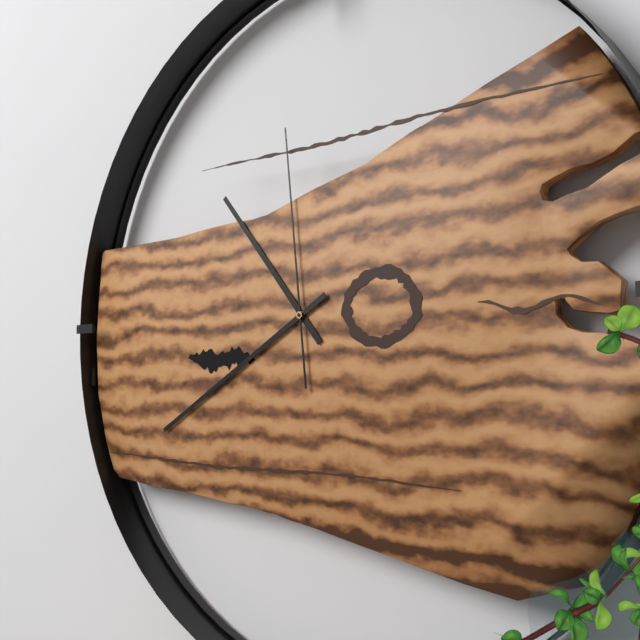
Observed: 10.40.59
